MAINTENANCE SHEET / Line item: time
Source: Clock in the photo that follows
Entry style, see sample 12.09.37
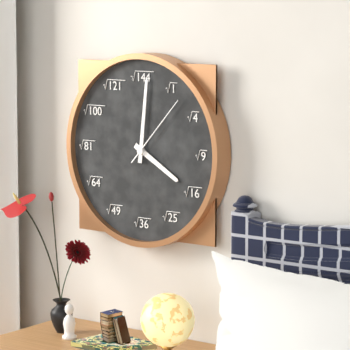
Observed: 4.01.07
